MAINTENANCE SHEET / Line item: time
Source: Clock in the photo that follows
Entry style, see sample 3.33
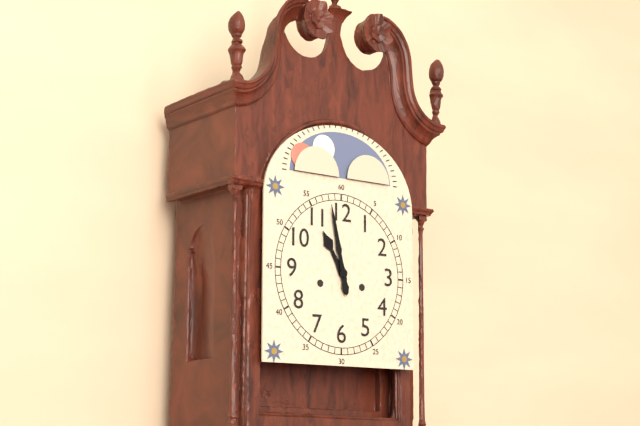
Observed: 10.58
